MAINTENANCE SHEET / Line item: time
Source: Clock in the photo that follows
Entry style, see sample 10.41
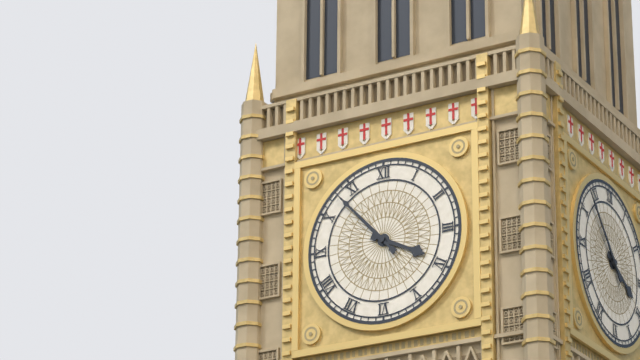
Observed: 3.53
